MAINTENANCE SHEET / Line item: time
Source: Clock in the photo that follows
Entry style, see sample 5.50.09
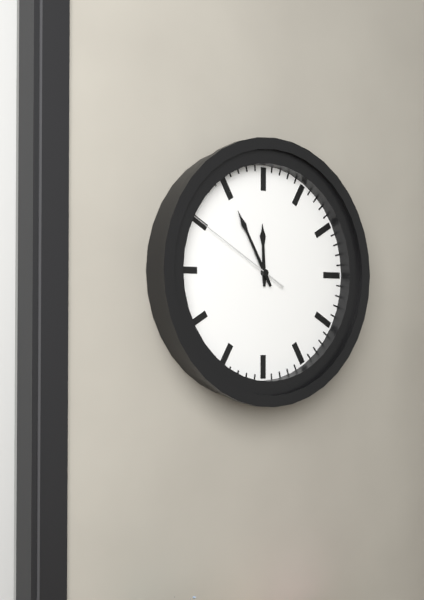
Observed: 11.55.50
